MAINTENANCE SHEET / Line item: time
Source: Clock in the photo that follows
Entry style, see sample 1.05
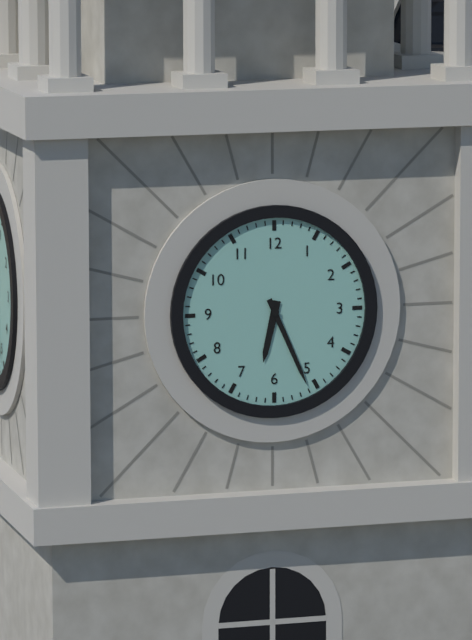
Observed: 6.26
